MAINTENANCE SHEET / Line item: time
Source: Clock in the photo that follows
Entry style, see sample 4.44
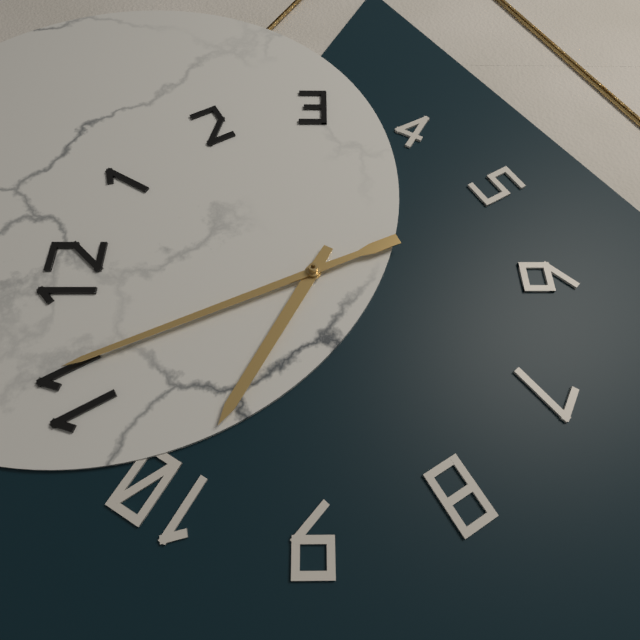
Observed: 9.56
